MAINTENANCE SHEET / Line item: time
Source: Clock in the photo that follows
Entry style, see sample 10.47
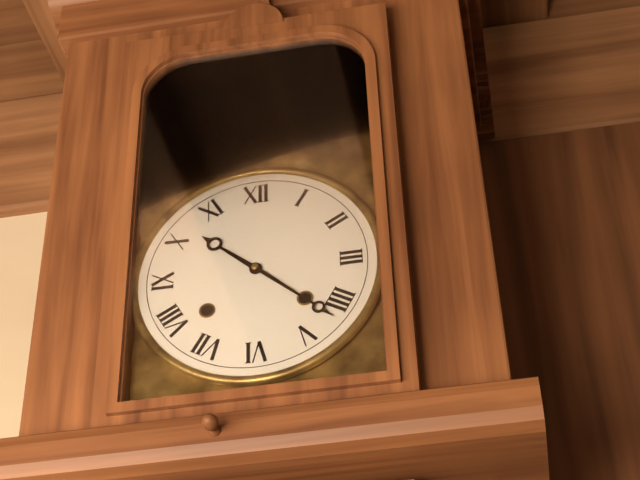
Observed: 10.22
